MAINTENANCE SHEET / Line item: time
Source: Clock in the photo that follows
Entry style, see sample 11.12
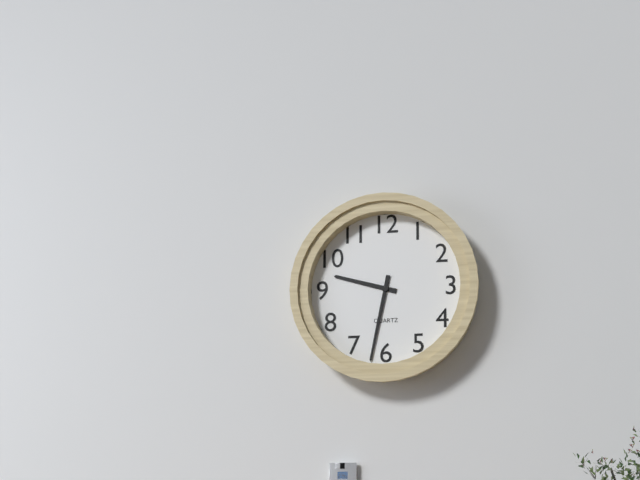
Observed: 9.32
